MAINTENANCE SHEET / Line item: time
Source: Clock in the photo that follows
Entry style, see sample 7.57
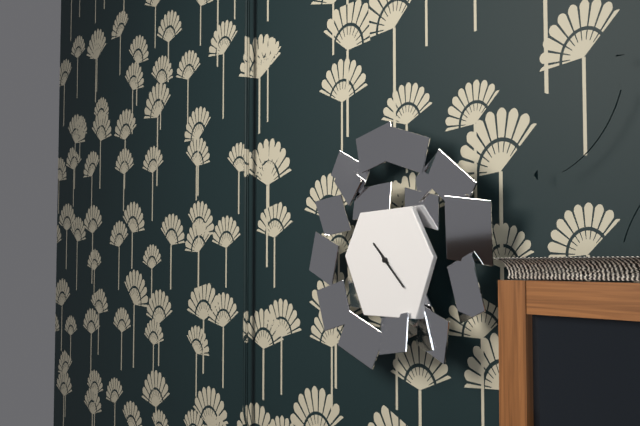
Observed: 10.22
